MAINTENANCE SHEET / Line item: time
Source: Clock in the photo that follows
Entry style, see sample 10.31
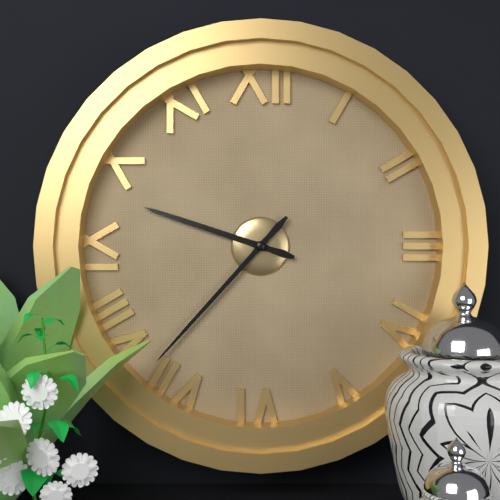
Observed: 9.37
